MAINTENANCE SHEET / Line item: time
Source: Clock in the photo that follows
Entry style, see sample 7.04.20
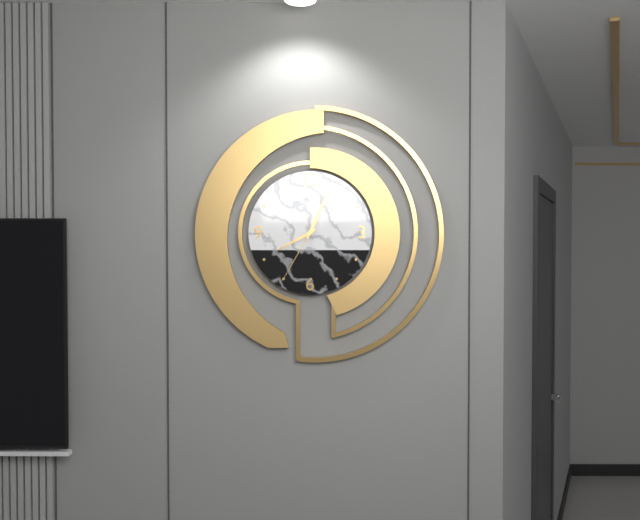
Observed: 8.04.35
